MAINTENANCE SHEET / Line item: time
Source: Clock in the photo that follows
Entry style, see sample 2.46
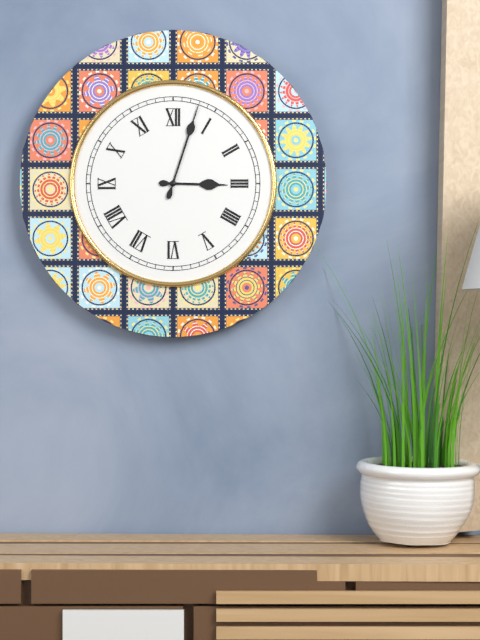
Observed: 3.03
